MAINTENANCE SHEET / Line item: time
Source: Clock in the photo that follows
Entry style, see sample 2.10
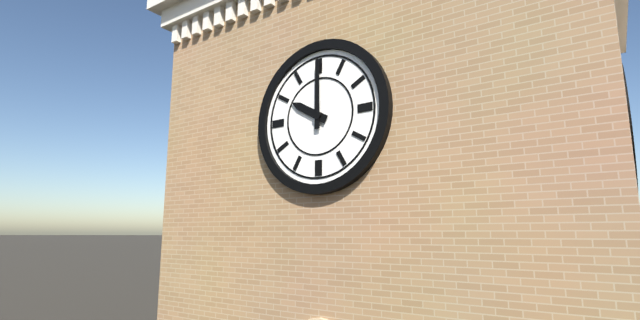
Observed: 10.00
